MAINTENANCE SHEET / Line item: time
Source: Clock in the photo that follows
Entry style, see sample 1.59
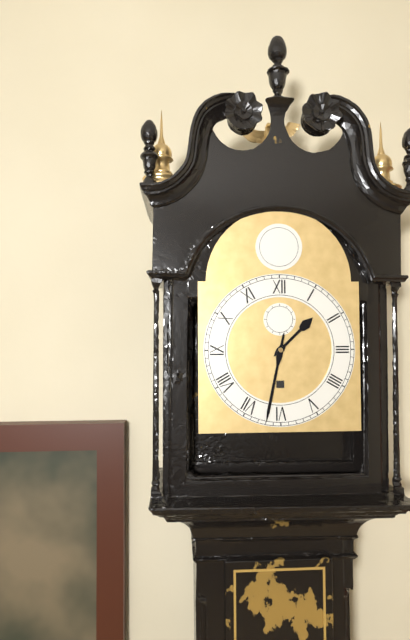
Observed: 1.32
